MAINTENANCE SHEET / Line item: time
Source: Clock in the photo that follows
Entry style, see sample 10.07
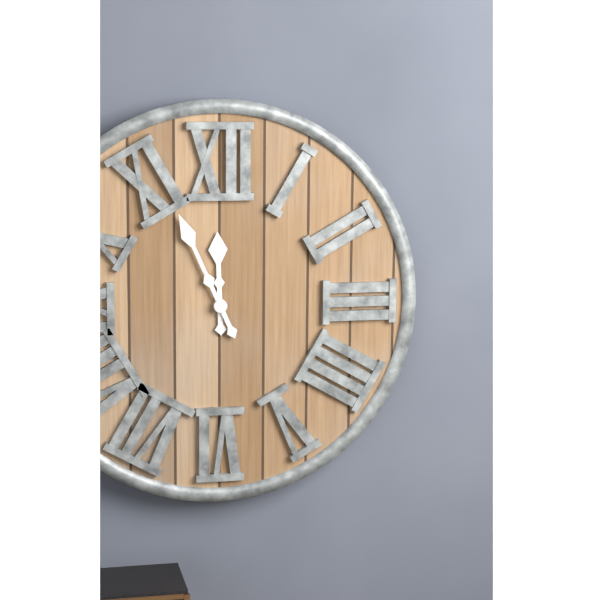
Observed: 11.56
